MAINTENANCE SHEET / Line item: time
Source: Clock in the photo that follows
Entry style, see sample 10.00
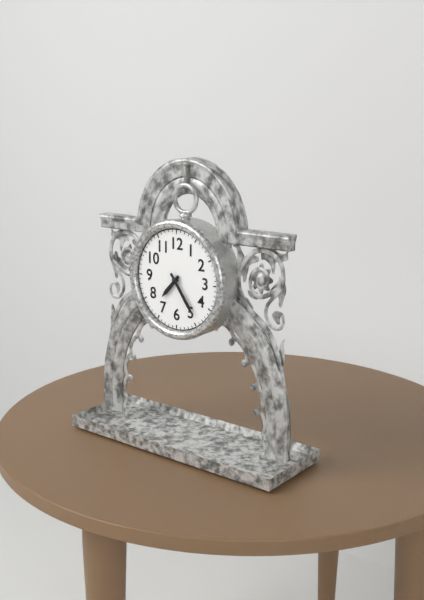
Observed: 7.24
